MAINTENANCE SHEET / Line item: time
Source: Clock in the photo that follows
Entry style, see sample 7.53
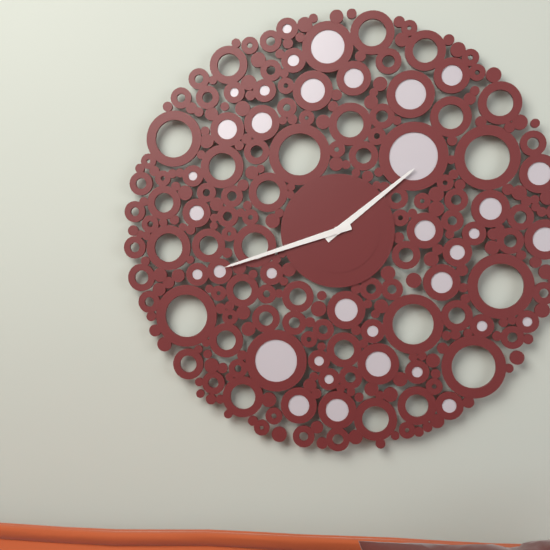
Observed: 1.42
